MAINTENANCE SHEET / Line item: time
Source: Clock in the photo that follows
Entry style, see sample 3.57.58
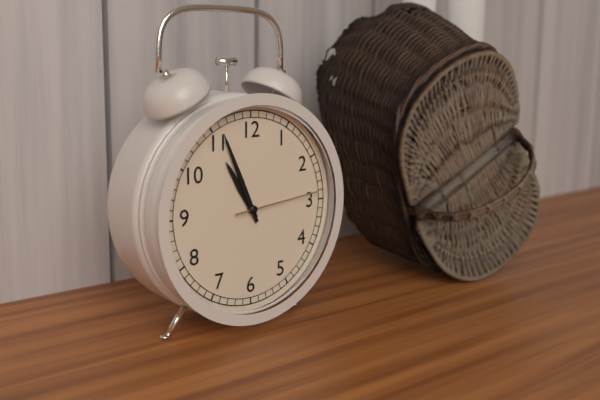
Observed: 10.56.14
